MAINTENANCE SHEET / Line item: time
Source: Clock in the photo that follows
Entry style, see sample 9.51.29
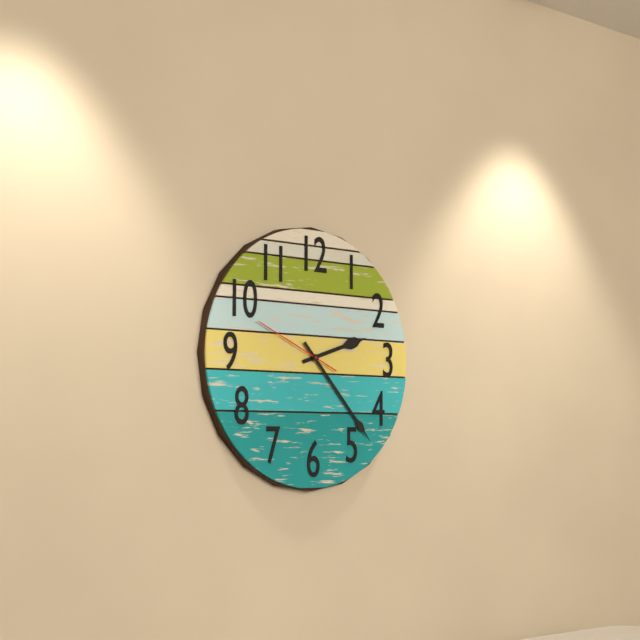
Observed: 2.23.49
